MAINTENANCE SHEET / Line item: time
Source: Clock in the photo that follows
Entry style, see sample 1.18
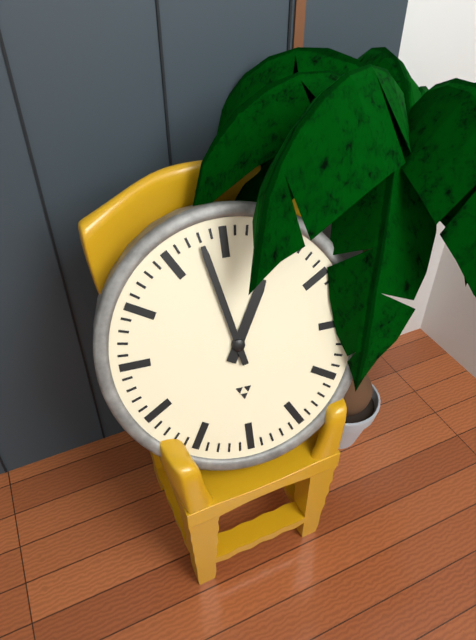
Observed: 12.58
